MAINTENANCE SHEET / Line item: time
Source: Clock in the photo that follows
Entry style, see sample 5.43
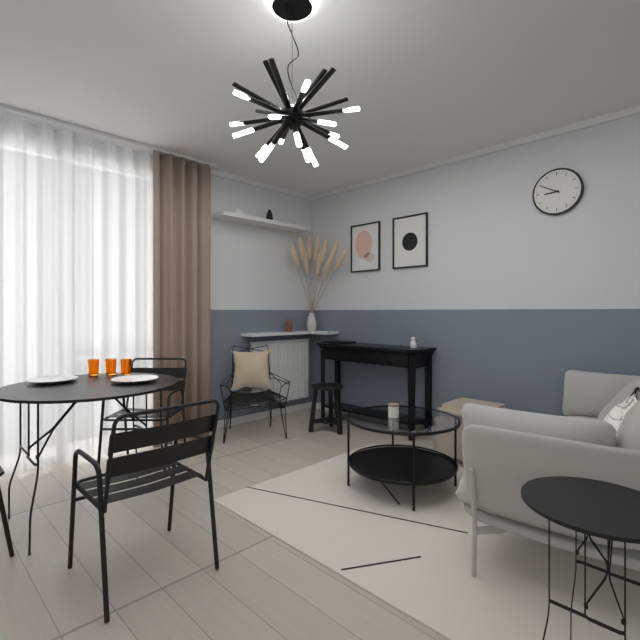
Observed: 8.50
